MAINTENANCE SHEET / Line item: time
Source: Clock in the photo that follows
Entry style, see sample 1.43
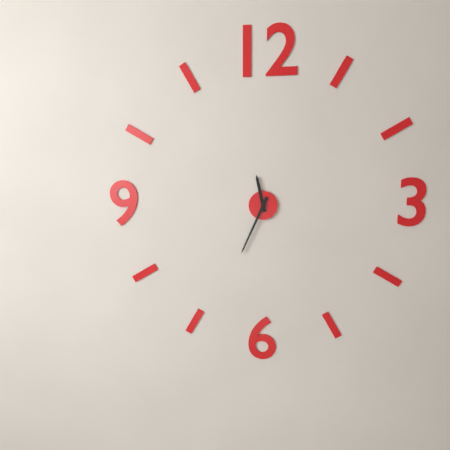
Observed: 11.34
